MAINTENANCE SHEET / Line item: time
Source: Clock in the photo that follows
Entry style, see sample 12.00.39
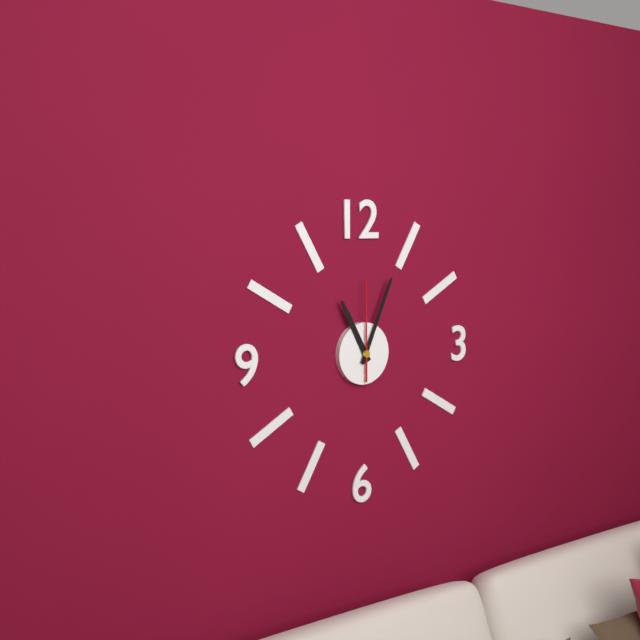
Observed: 11.04.00
